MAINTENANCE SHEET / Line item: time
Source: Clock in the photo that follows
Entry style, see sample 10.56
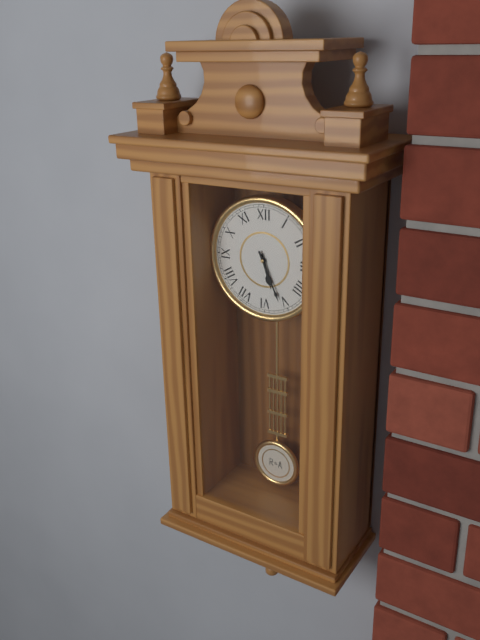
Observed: 5.26
